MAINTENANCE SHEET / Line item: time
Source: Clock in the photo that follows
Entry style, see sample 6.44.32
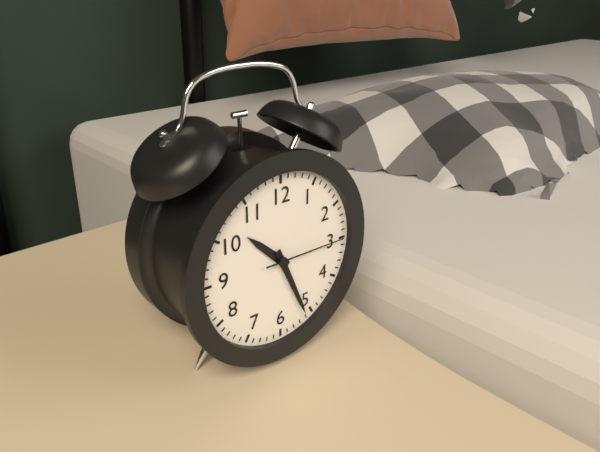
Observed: 10.26.15
